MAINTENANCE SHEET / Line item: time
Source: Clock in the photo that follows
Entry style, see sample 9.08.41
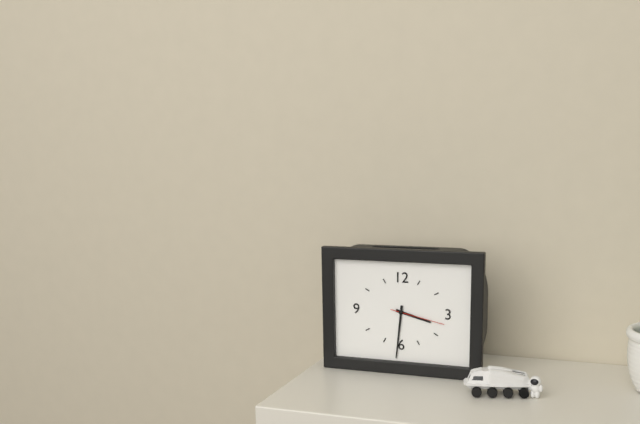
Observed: 3.31.17
